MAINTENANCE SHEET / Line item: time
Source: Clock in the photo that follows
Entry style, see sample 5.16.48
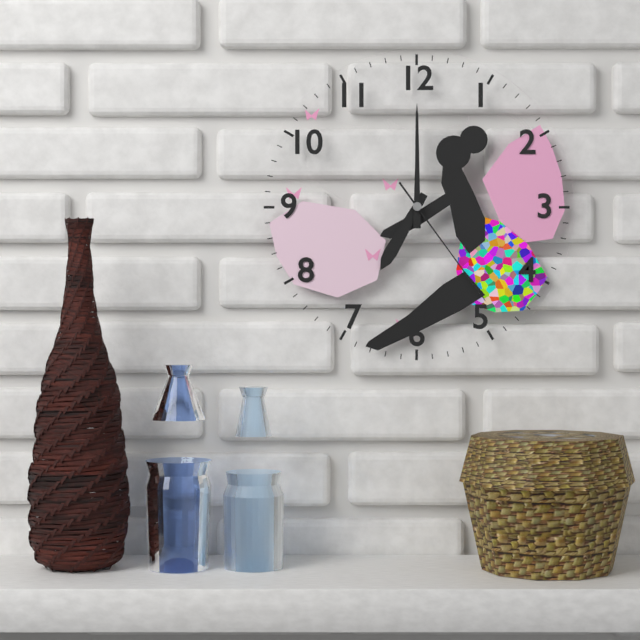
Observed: 7.00.24
